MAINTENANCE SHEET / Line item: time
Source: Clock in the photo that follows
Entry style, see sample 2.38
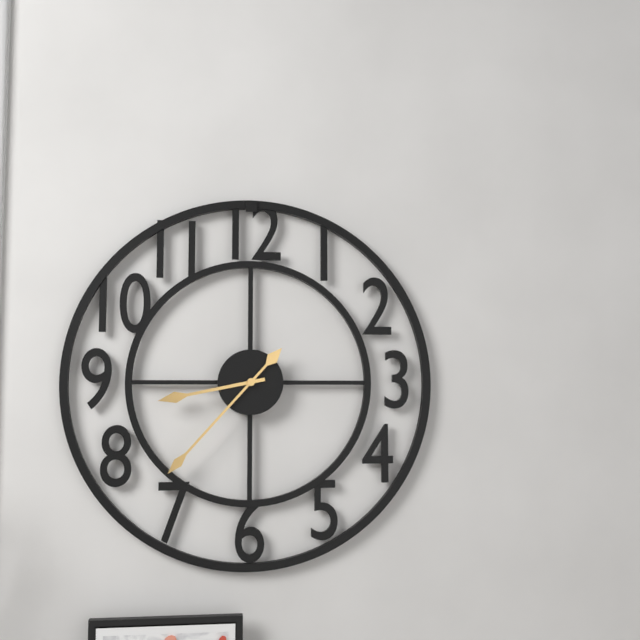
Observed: 8.37
